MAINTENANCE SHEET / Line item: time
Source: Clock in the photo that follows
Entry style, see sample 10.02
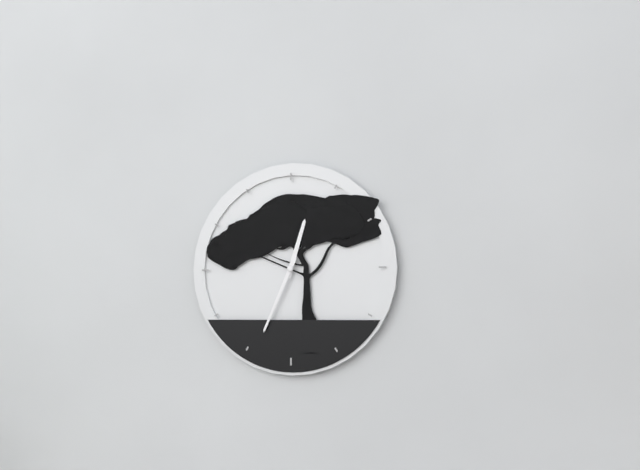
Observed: 12.34
